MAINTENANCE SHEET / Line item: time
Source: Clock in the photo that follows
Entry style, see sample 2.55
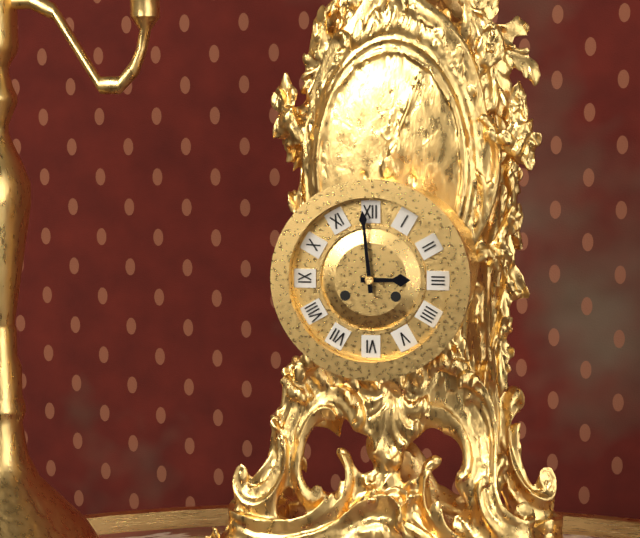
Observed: 2.59
